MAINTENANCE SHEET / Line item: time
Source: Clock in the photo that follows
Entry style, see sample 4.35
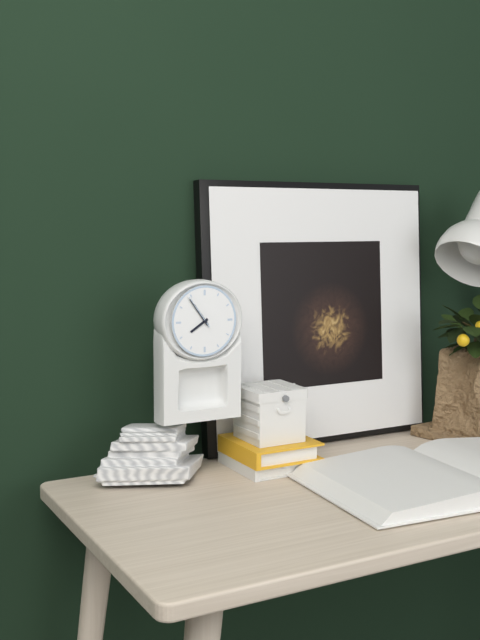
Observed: 7.54
